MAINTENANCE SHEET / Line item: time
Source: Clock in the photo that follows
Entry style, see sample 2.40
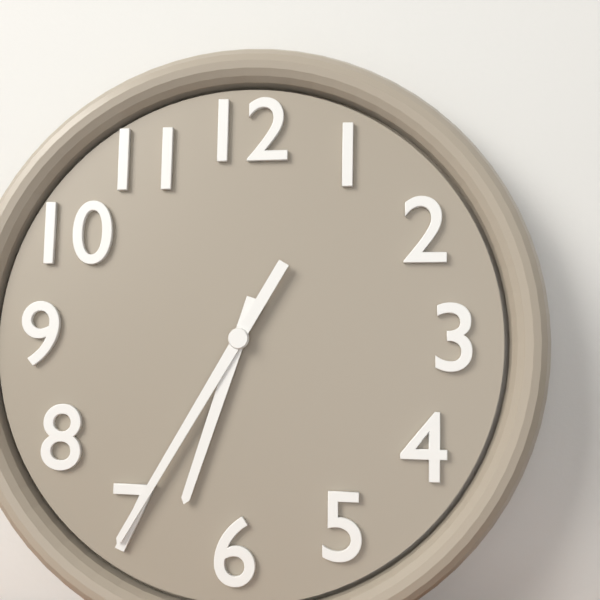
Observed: 6.35
